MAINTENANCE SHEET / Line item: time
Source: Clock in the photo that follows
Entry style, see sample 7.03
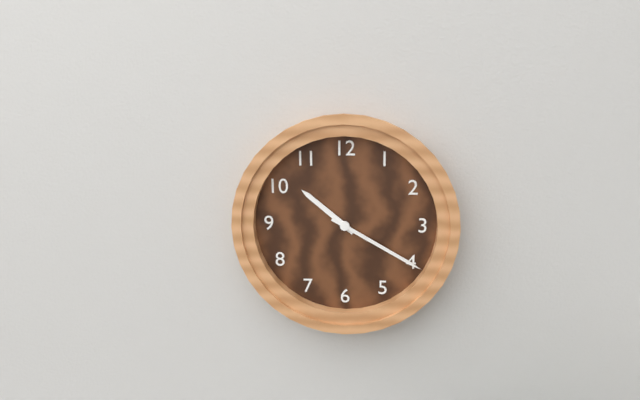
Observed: 10.20
